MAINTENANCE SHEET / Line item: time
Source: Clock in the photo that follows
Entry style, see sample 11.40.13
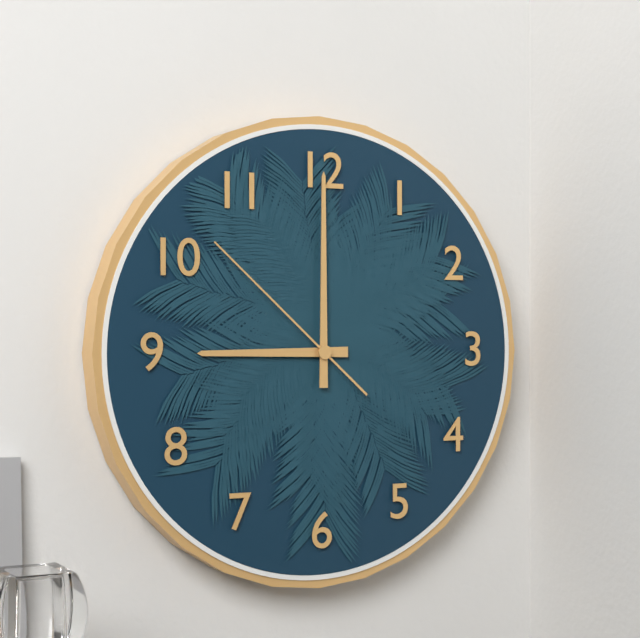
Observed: 9.00.52
